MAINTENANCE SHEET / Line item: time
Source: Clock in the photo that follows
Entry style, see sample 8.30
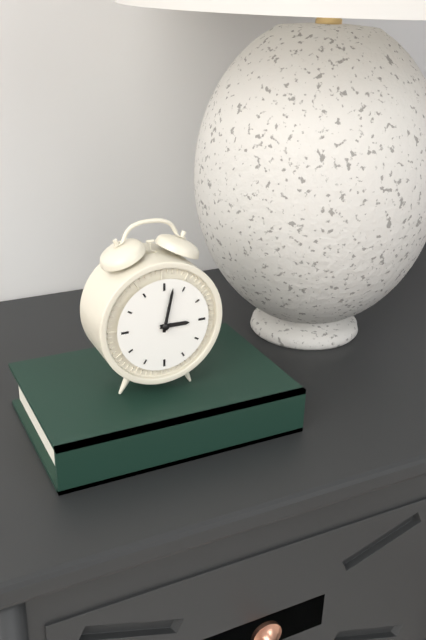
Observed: 3.02
